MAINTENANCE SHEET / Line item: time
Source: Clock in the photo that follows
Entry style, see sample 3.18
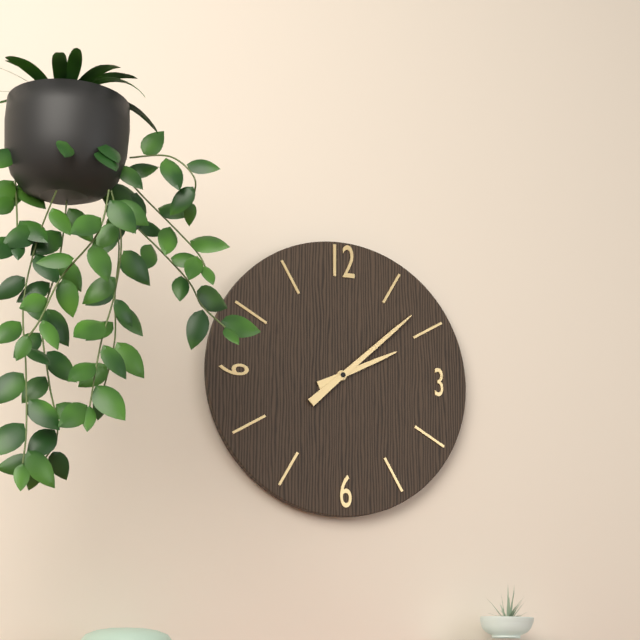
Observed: 2.08
